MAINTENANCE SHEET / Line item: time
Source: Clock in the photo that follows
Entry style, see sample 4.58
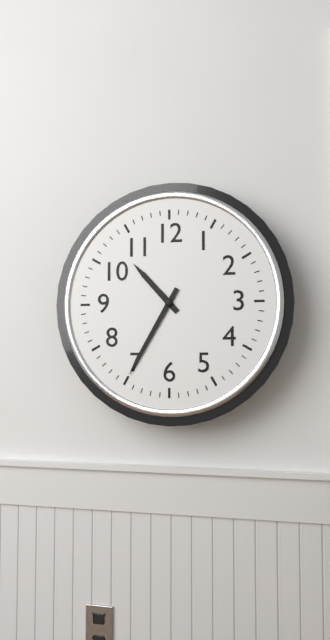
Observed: 10.35
